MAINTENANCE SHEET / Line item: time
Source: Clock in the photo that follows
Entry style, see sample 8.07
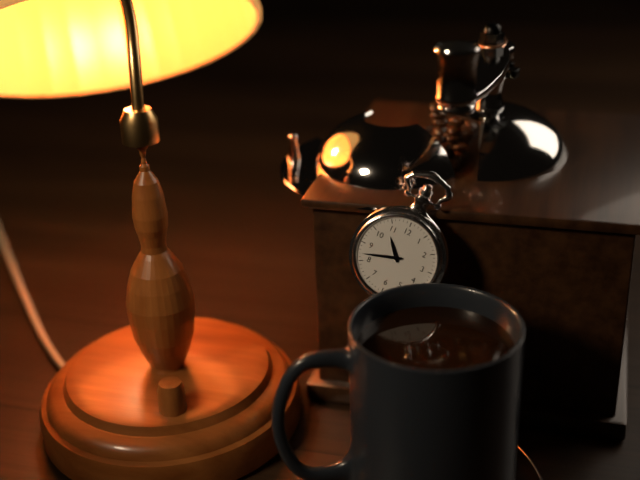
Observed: 10.42
